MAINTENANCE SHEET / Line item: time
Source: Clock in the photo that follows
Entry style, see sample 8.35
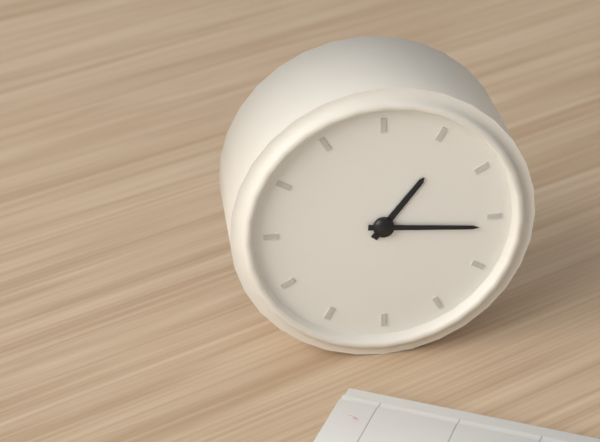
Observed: 1.16
